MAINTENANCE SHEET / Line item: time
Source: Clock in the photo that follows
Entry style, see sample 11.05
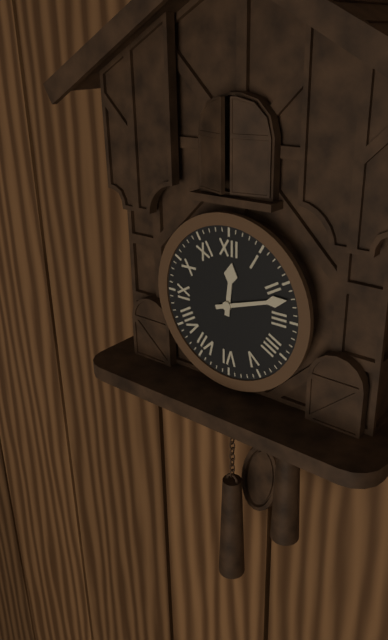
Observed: 12.12
